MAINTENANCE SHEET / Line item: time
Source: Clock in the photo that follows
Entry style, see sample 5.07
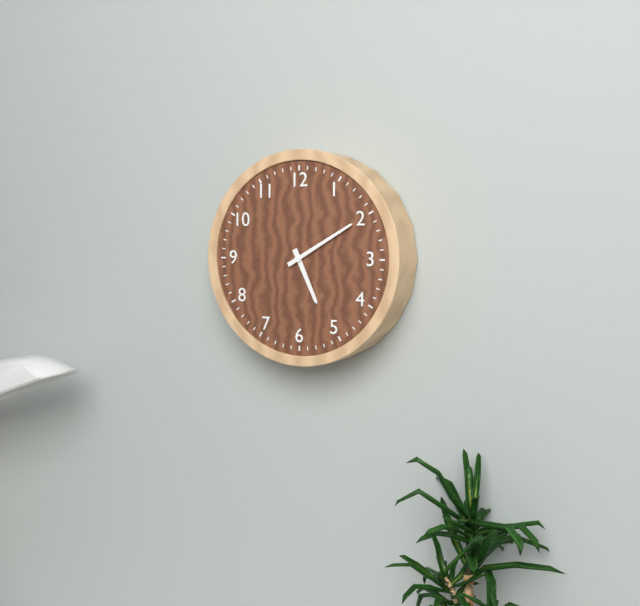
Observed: 5.10
